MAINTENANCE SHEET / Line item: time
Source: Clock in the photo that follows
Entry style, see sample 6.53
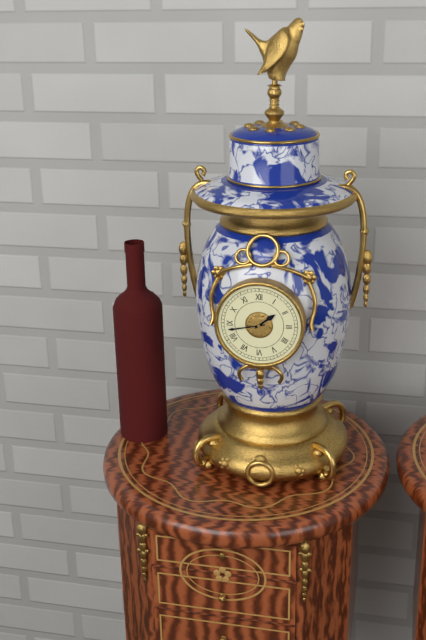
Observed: 1.43
